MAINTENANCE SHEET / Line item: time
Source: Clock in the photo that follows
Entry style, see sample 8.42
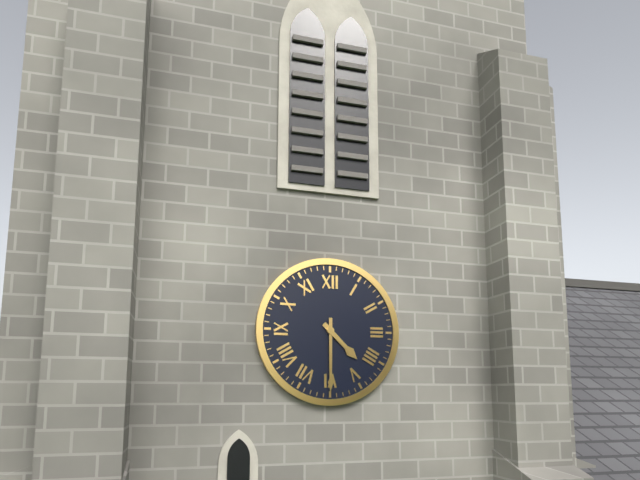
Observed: 4.30
